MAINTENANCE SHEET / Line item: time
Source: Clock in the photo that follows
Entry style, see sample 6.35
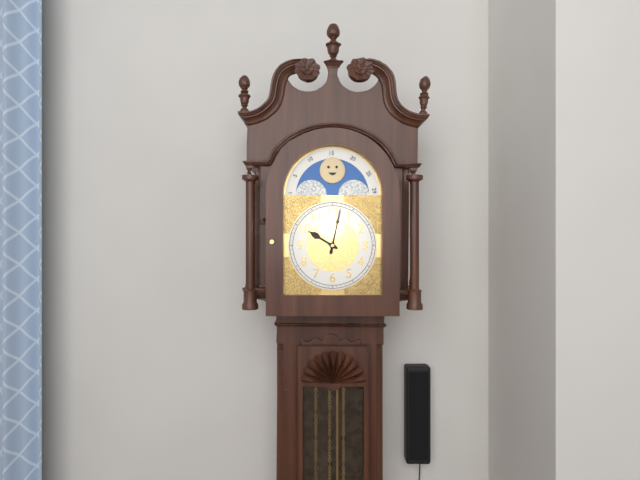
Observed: 10.02
